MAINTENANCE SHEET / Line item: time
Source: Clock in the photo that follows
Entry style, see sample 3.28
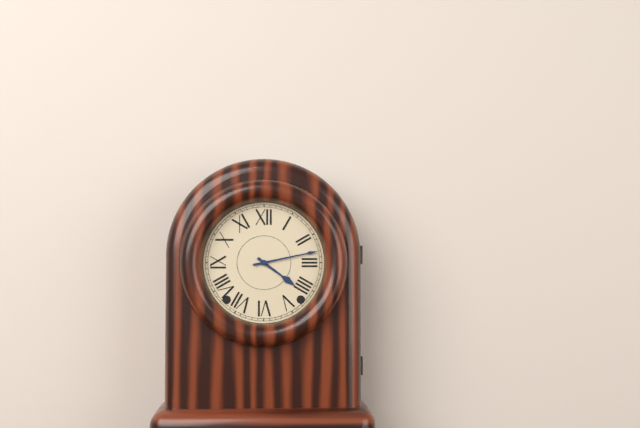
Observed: 4.13
